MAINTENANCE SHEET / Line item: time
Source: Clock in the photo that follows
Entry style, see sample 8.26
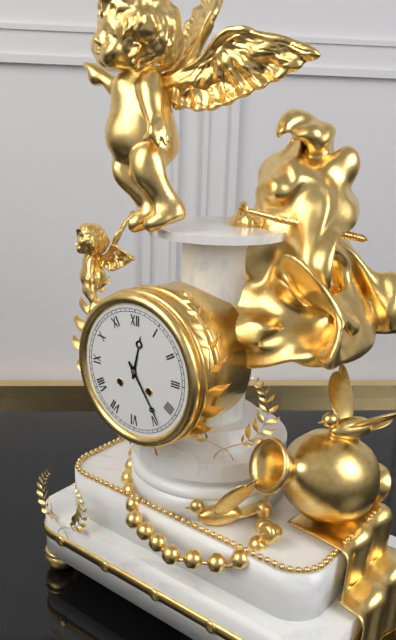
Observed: 12.24
